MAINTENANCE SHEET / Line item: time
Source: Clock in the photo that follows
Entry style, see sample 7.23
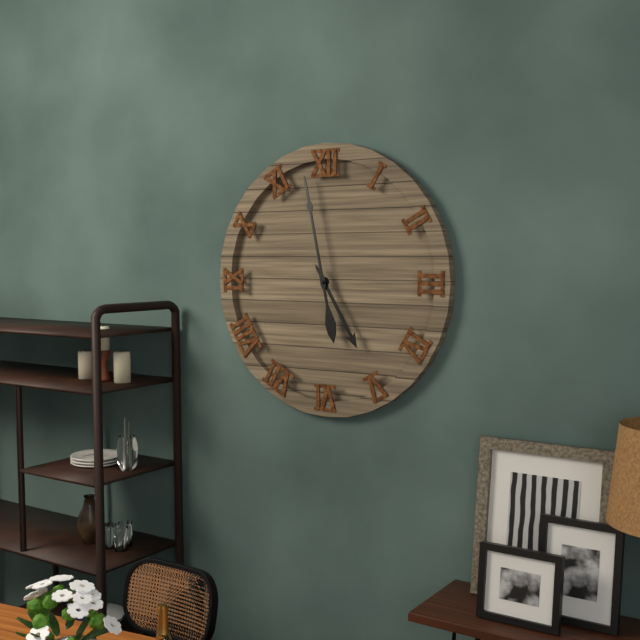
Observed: 4.58
